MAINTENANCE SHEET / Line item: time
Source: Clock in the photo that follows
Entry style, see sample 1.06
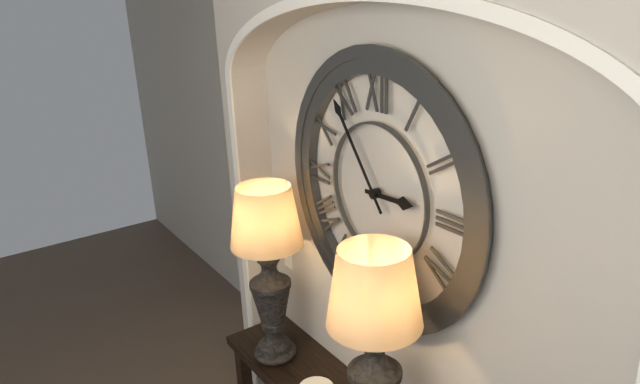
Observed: 2.54
